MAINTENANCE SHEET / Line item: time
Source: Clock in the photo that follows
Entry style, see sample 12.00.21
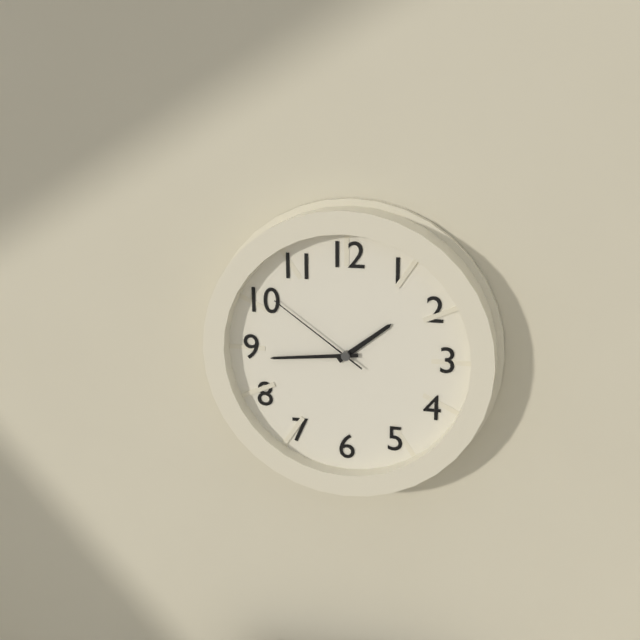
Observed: 1.44.51
